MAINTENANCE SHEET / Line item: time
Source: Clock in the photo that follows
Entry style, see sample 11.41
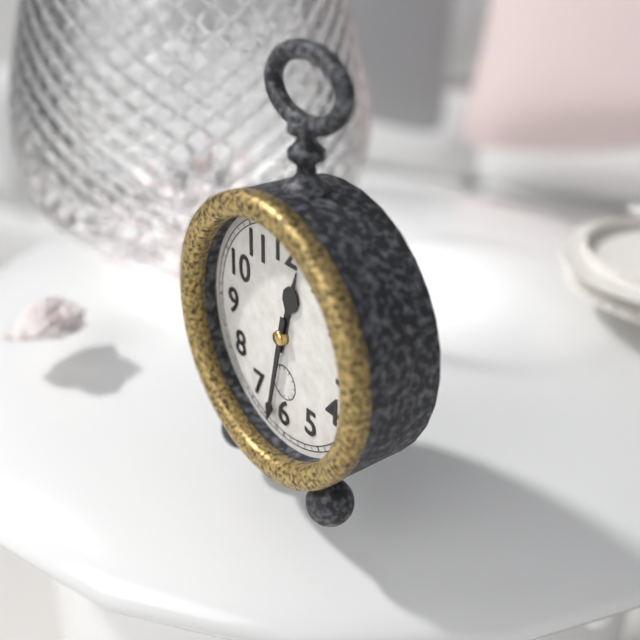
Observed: 12.32
